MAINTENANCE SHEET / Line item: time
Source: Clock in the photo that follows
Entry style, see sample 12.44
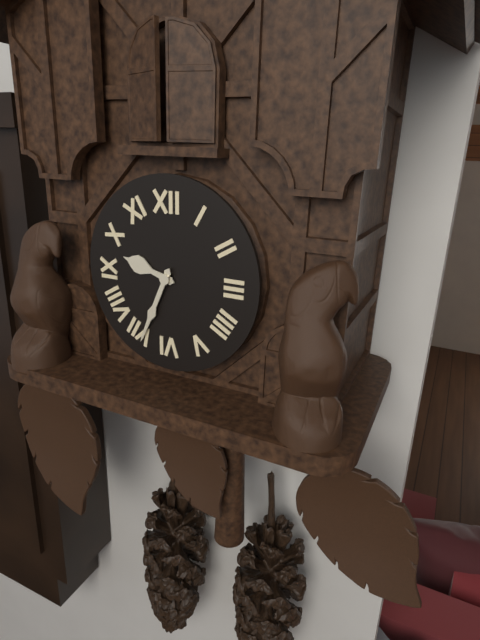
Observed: 9.34
